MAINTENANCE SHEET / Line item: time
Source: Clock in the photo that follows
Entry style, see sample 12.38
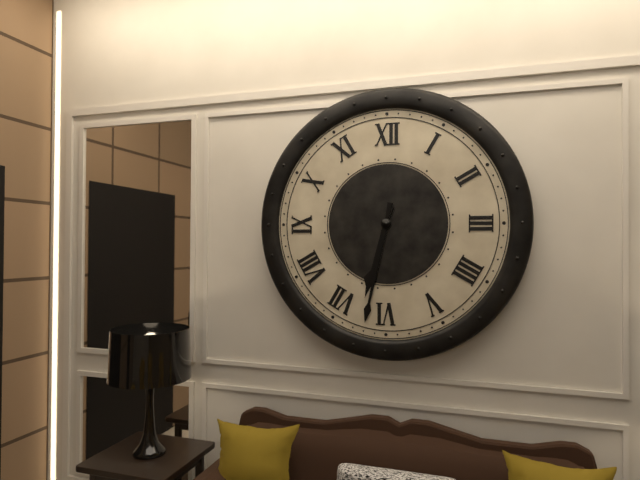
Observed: 6.32
